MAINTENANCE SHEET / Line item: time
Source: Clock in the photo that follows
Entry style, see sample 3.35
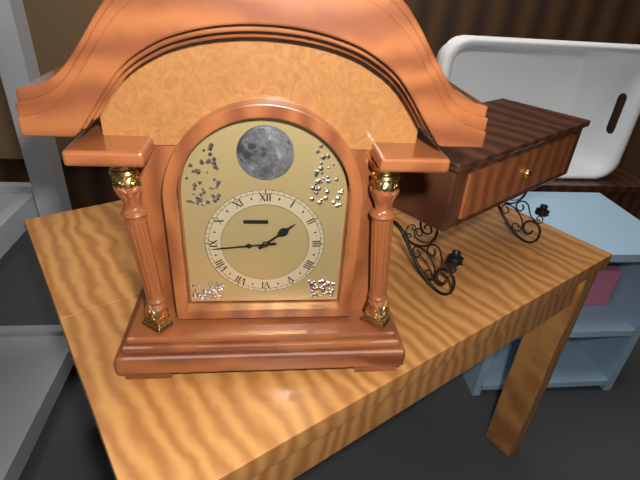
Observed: 1.44
